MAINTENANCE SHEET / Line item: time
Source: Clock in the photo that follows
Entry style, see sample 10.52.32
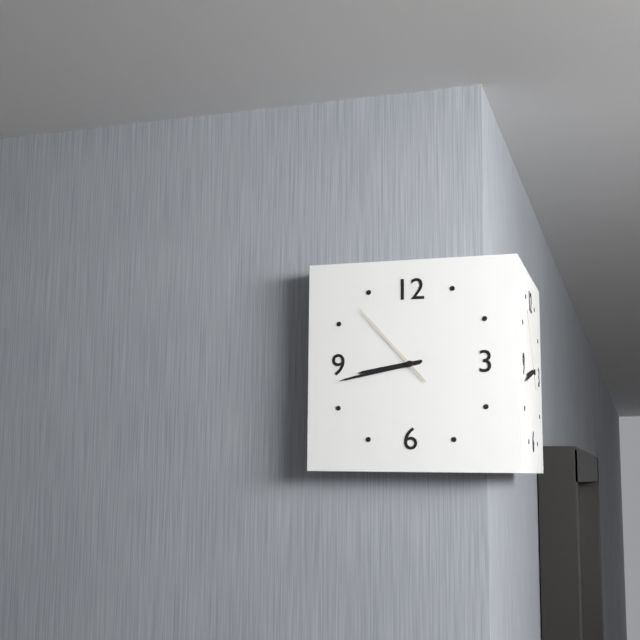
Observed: 8.43.53
